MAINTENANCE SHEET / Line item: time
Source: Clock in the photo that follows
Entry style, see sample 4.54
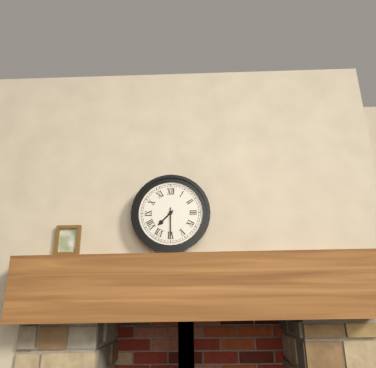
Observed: 7.30
